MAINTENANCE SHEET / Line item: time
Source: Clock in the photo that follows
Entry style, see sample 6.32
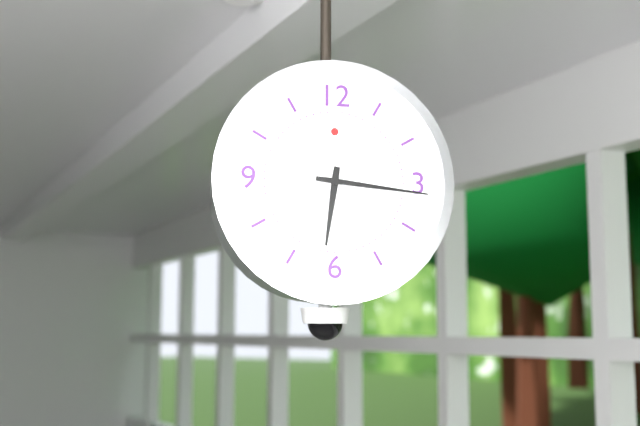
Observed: 6.16
